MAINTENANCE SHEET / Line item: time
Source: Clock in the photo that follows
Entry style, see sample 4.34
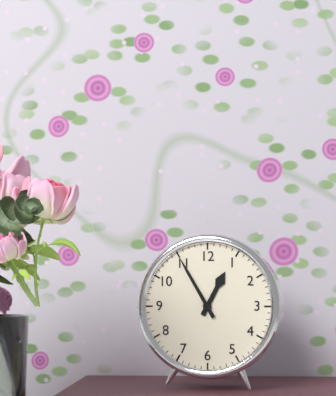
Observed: 12.55
